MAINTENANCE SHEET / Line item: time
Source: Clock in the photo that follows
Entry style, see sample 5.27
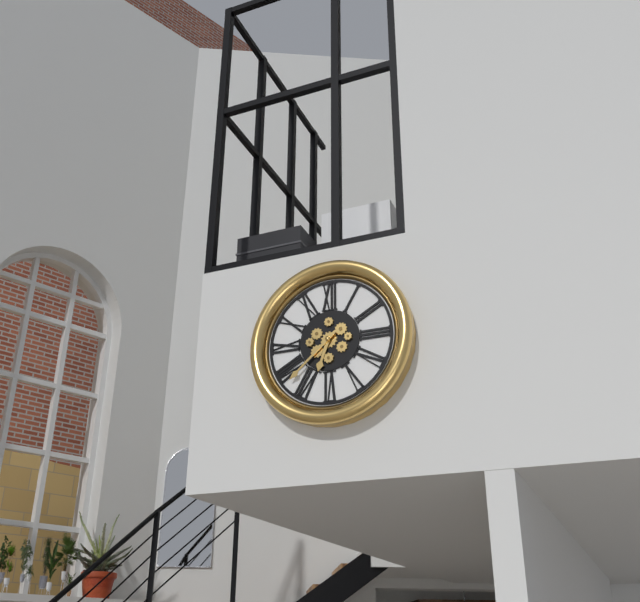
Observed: 6.38
